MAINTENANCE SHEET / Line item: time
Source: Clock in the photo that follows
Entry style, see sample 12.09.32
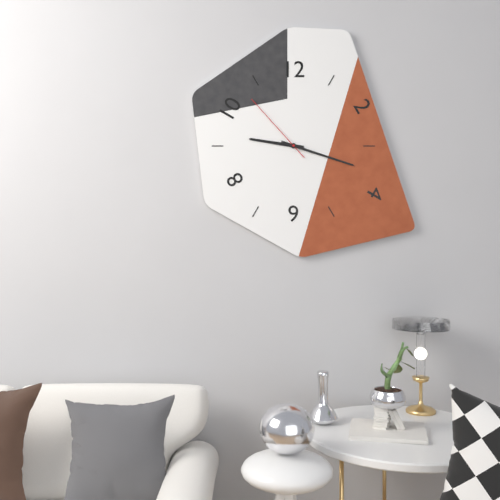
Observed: 9.18.53
